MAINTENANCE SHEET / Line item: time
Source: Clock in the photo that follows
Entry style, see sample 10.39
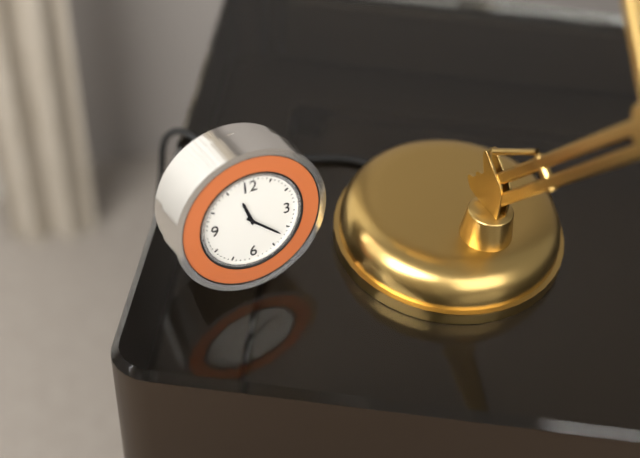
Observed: 11.22
